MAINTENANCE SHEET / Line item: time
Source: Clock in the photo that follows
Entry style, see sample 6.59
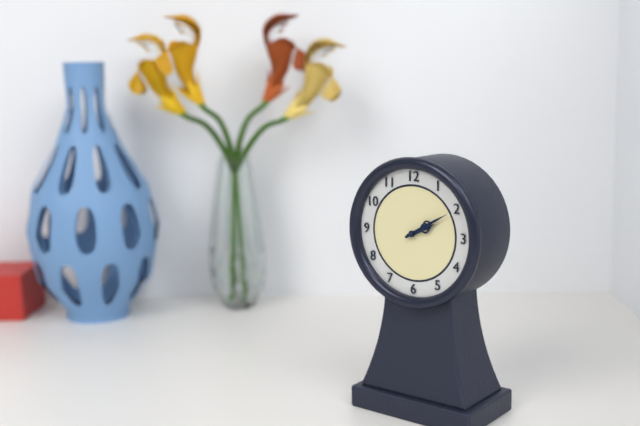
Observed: 2.10
